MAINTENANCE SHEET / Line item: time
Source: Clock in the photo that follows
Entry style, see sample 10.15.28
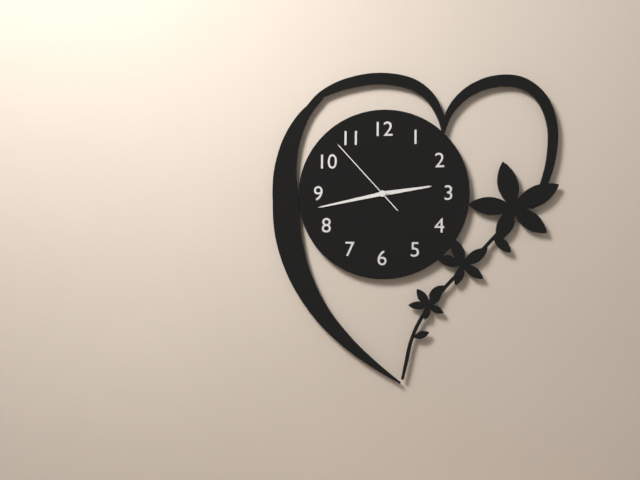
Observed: 2.43.53
